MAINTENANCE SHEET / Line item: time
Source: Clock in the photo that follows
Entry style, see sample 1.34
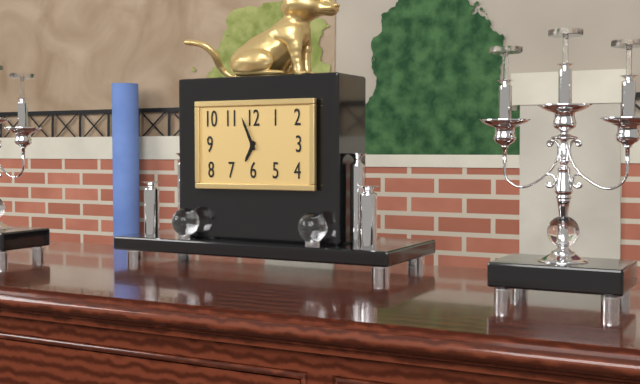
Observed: 6.56
